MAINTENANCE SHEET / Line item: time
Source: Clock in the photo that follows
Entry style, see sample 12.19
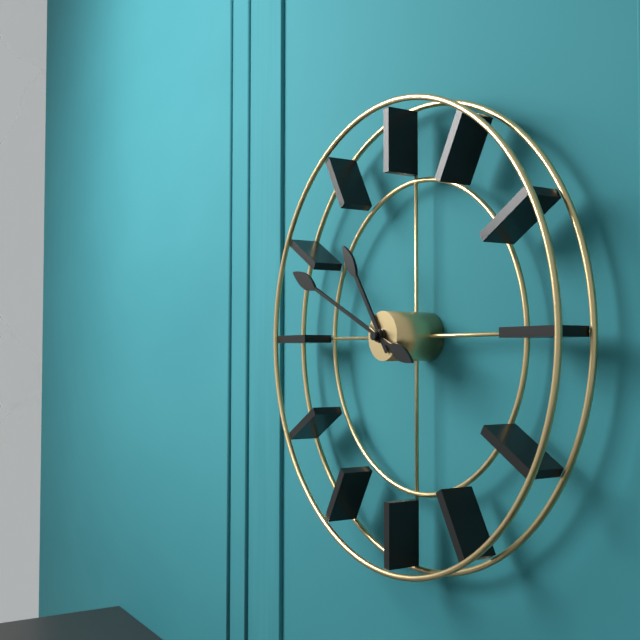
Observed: 10.49
